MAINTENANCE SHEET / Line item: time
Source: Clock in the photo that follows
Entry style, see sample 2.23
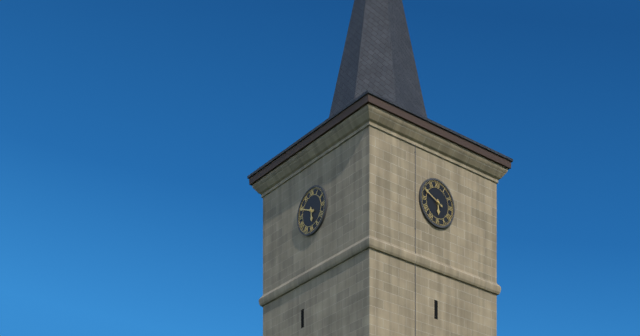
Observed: 5.49
